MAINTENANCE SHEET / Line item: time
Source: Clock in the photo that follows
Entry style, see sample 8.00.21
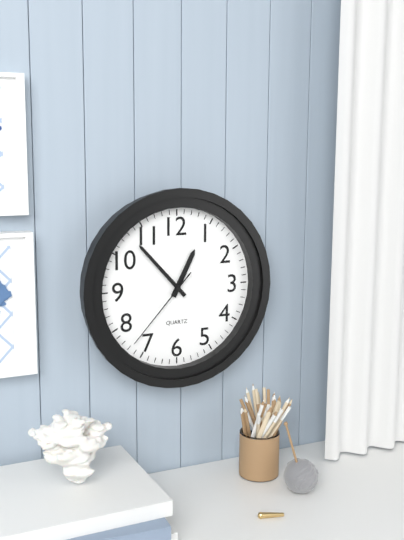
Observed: 12.53.37
